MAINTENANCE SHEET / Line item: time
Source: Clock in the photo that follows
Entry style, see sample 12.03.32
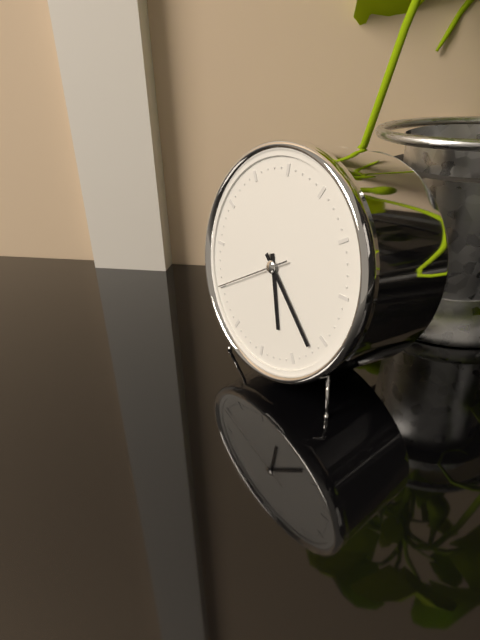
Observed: 5.22.40
